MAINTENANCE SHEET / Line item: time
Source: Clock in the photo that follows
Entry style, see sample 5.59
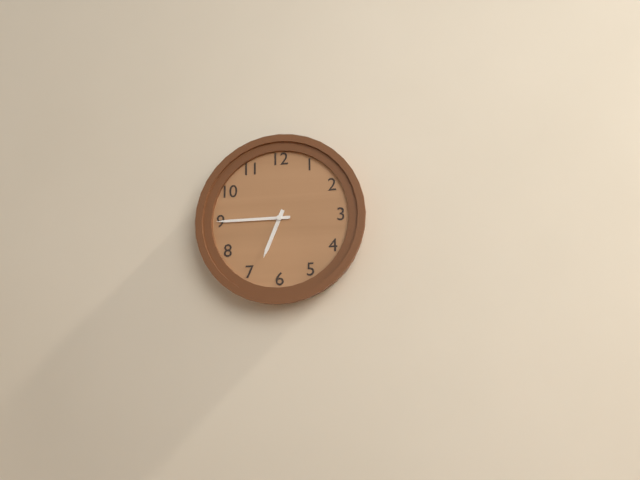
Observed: 6.45
